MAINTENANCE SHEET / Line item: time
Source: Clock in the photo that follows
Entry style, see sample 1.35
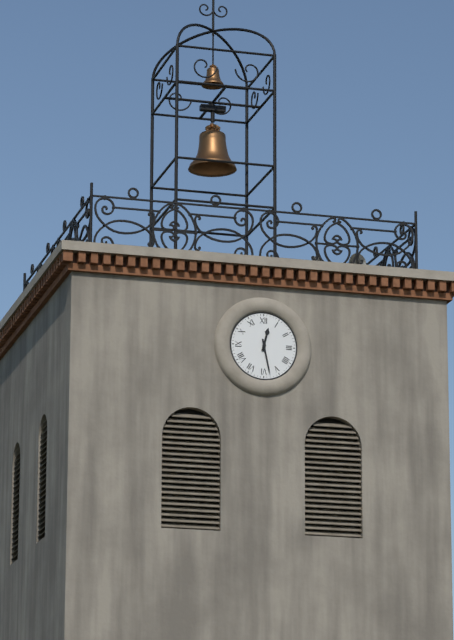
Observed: 12.28
